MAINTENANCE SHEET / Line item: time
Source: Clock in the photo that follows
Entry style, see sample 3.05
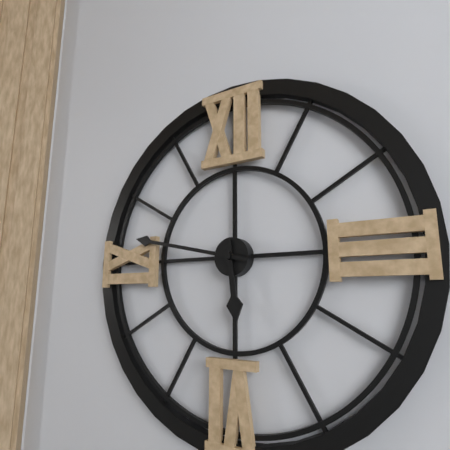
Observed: 5.47
